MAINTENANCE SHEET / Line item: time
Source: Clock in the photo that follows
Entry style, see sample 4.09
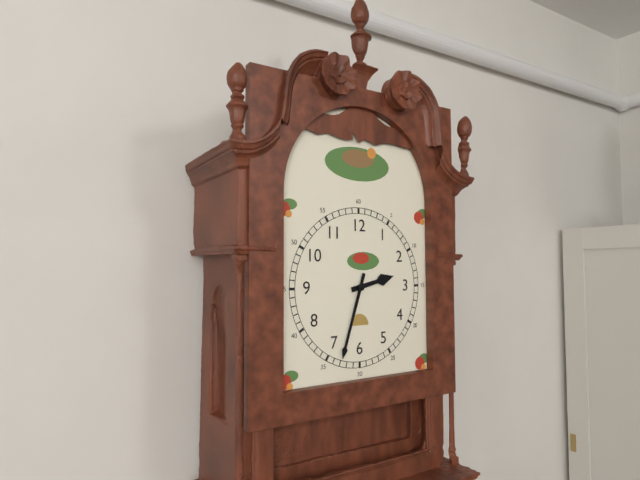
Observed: 2.33
